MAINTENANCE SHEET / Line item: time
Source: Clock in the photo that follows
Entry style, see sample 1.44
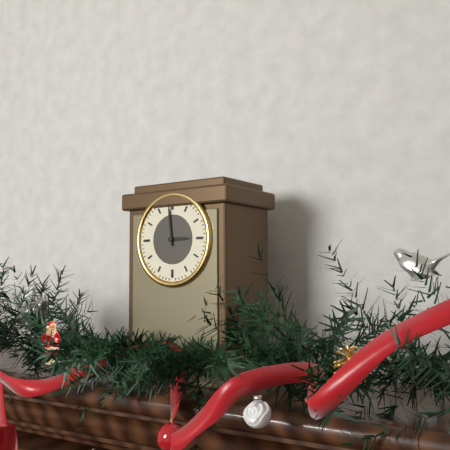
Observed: 2.59
